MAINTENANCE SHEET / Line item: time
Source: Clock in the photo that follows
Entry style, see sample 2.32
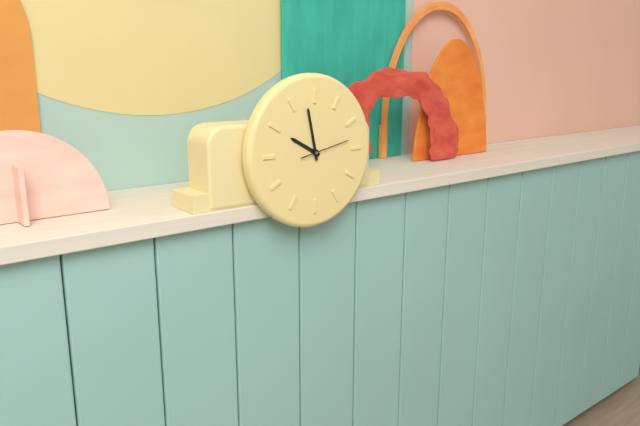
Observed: 9.58
